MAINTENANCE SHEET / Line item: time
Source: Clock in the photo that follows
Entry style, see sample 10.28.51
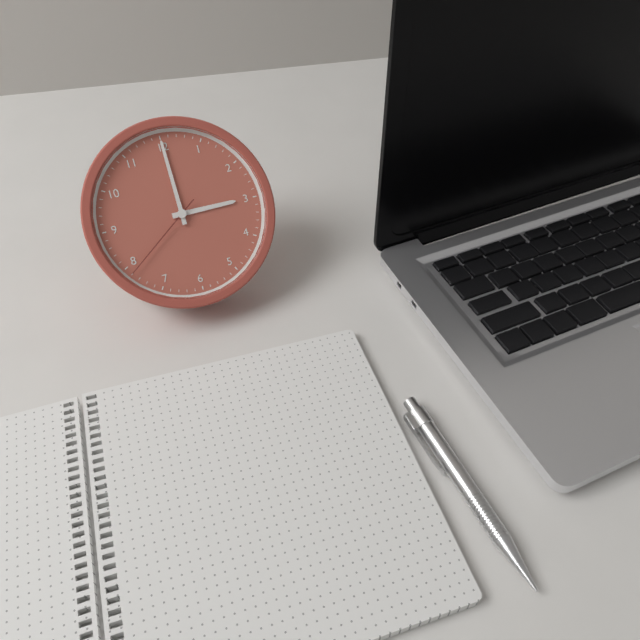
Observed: 3.00.39
